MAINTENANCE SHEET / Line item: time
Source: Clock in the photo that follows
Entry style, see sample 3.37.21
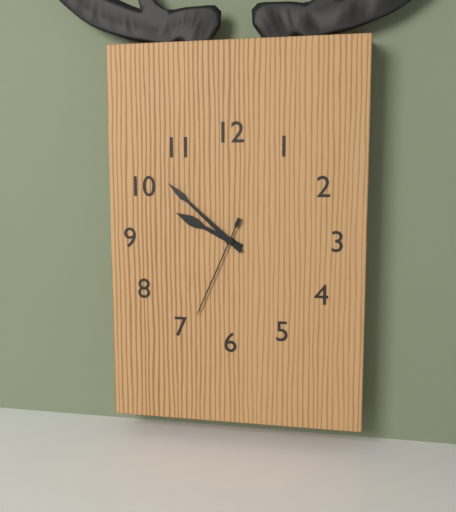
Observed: 9.52.34
